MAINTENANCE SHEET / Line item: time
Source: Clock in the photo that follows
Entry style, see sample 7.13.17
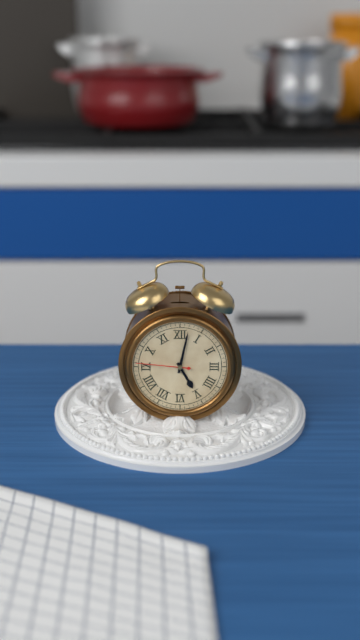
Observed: 5.02.46
